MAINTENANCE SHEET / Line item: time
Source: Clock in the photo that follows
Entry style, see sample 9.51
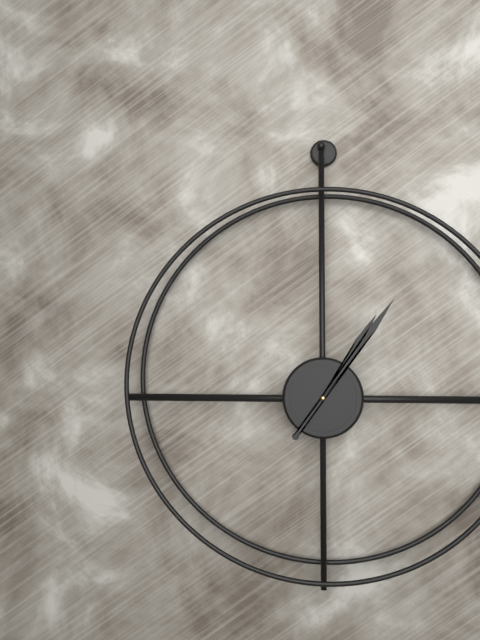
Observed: 1.06
